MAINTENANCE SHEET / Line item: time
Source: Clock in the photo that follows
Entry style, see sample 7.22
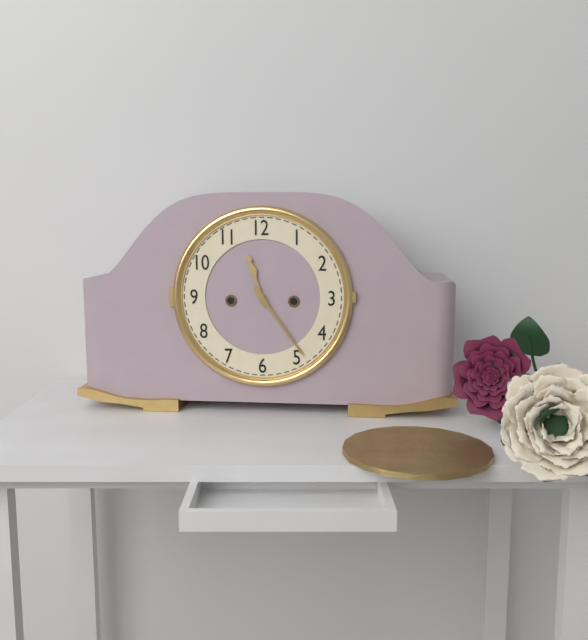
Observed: 11.24
